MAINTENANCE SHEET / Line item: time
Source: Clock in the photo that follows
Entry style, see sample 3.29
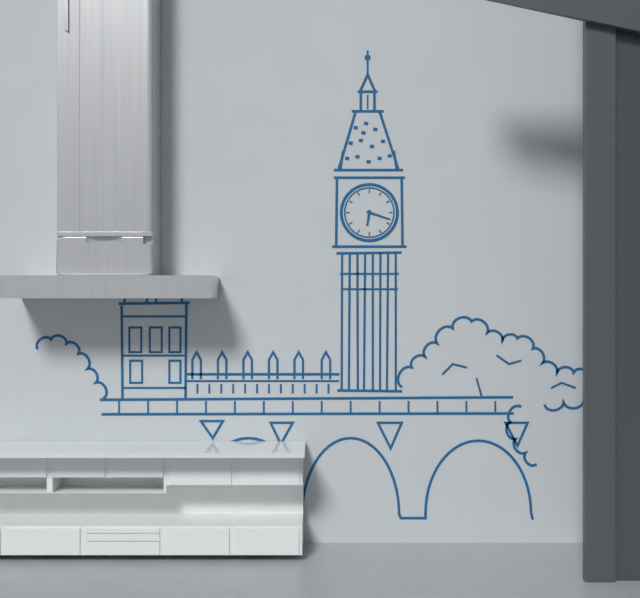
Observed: 6.18
